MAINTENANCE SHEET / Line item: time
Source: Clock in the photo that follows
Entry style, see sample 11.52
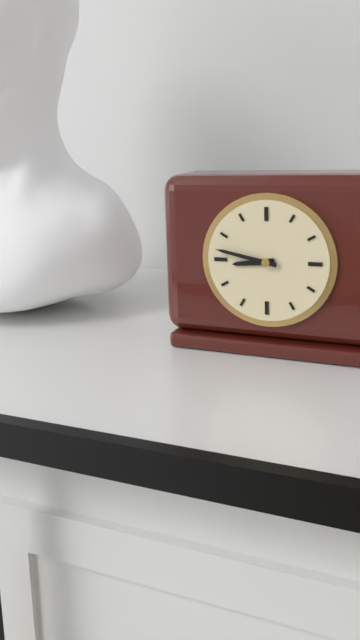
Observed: 8.47
